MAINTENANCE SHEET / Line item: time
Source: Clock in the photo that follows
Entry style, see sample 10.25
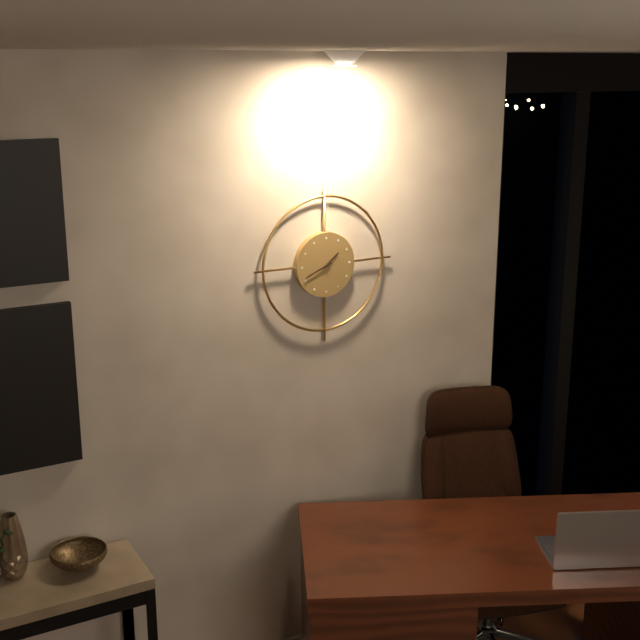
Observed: 1.41
